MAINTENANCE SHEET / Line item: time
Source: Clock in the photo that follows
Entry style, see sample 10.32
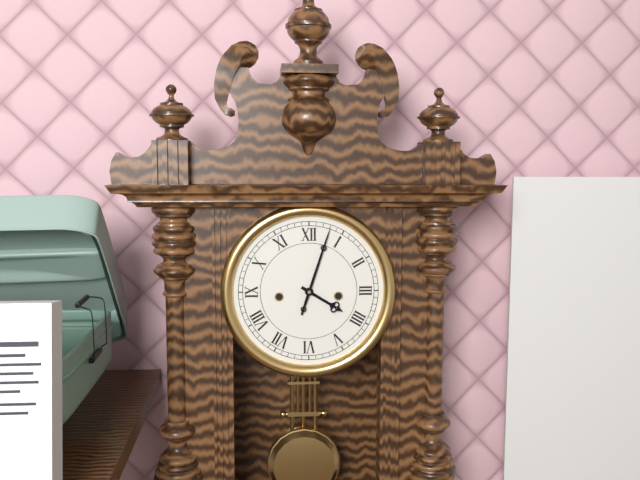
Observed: 4.03
